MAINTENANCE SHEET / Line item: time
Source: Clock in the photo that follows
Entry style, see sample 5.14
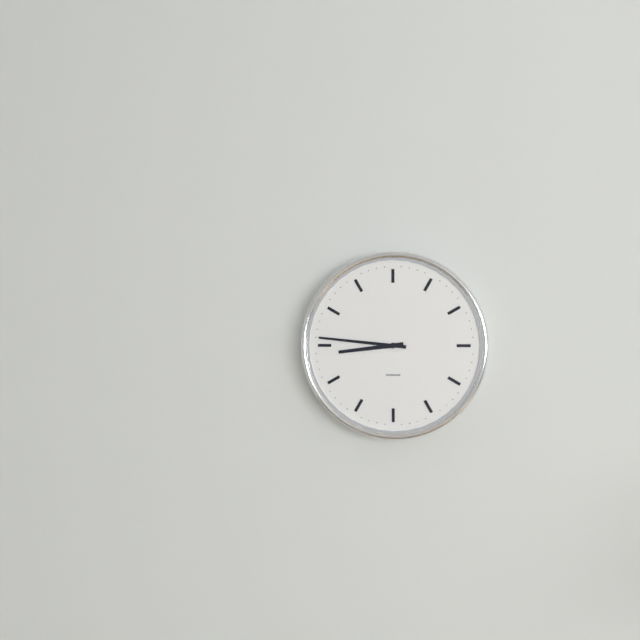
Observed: 8.46
